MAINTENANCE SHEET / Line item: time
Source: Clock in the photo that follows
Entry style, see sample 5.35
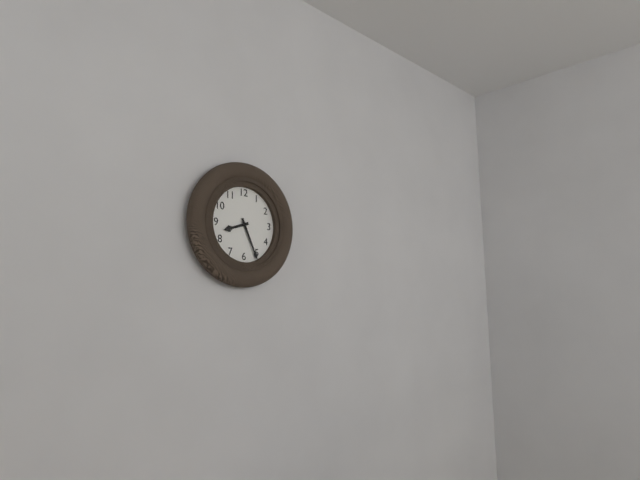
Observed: 8.26
